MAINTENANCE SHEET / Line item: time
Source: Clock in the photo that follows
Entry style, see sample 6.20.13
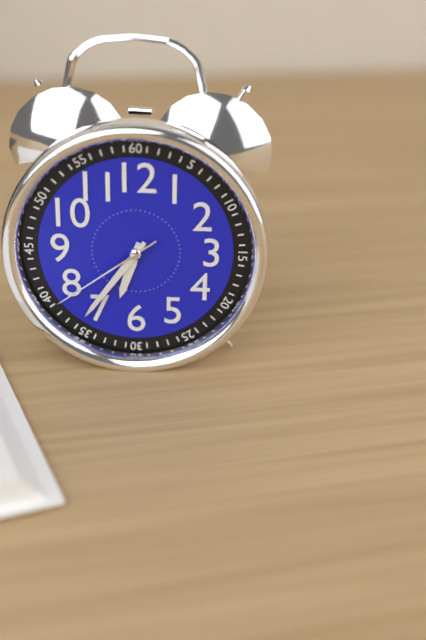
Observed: 6.36.39
